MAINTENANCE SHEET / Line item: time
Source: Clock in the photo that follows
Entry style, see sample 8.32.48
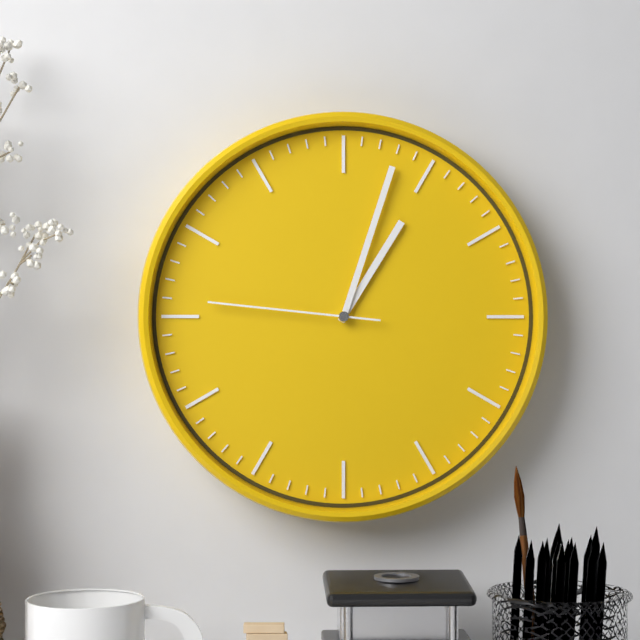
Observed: 1.03.46
